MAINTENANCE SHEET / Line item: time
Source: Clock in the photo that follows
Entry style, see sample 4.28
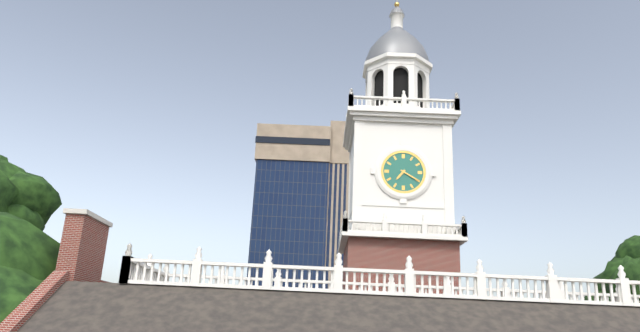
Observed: 7.20
